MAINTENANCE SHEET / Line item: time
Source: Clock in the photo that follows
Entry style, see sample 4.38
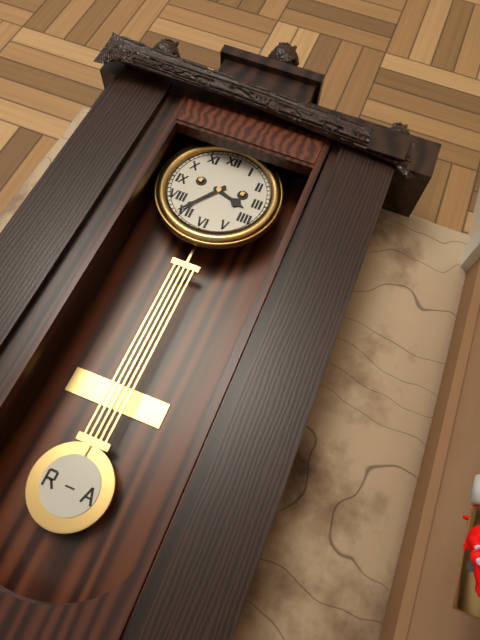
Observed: 3.36
